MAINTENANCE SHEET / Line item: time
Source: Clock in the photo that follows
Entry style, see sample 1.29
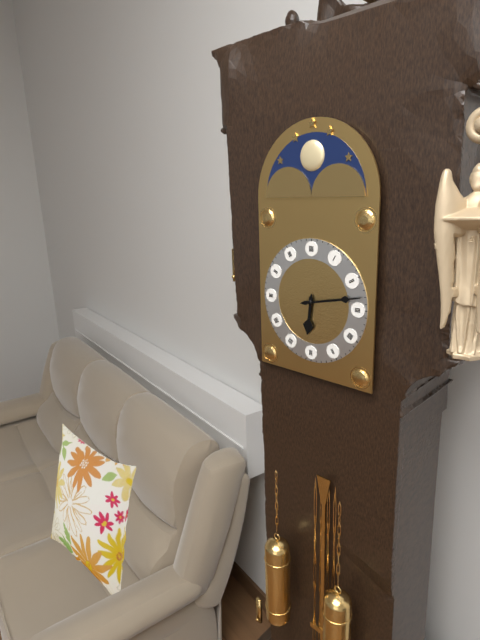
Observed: 6.13
